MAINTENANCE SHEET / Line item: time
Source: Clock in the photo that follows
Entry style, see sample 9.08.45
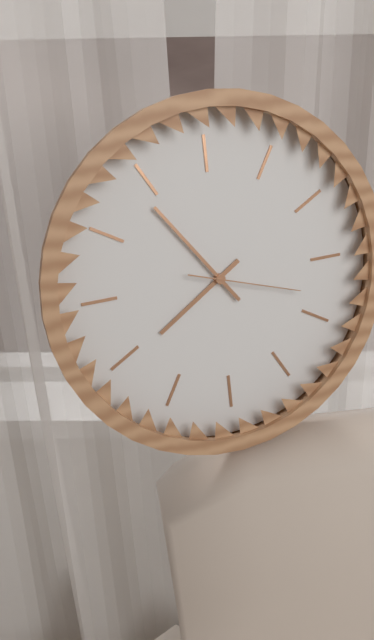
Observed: 7.54.18
